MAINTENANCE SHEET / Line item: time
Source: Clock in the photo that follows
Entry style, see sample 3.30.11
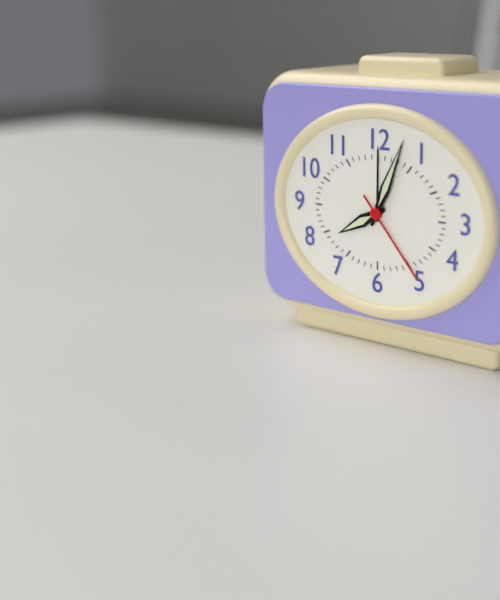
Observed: 8.04.23
